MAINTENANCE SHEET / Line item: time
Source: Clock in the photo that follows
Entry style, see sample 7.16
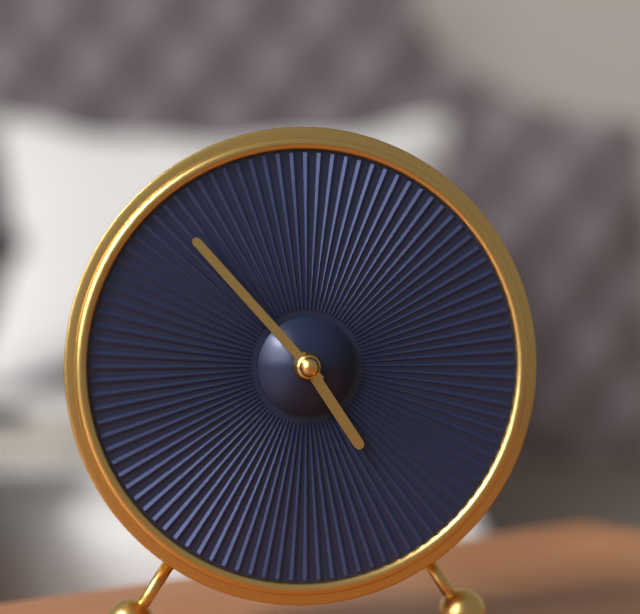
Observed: 4.53
